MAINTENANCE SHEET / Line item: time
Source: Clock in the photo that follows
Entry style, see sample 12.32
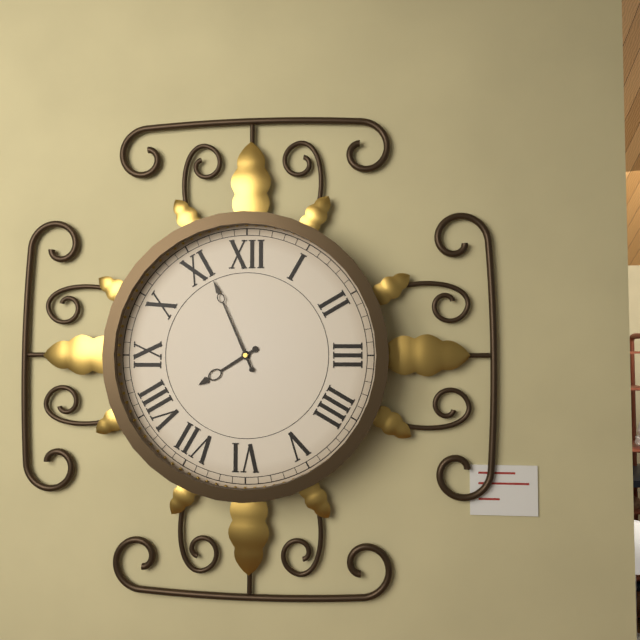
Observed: 7.56
